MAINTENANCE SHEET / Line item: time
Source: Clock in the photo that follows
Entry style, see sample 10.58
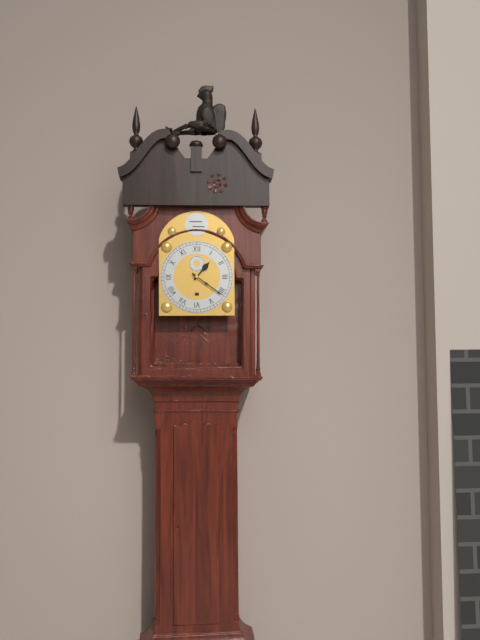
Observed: 1.21
